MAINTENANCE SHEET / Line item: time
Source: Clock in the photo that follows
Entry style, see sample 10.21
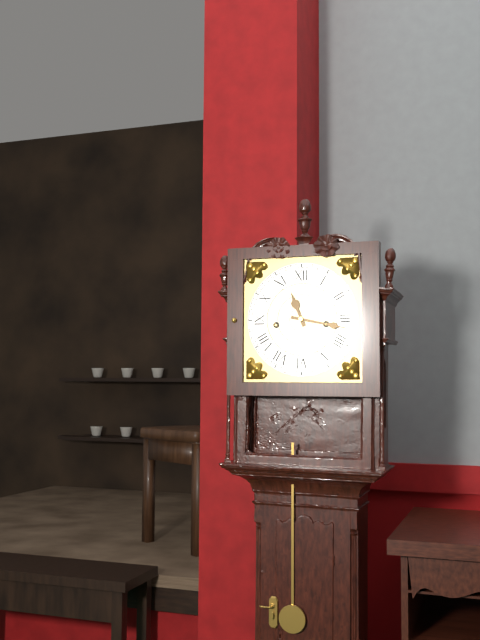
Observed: 11.17
